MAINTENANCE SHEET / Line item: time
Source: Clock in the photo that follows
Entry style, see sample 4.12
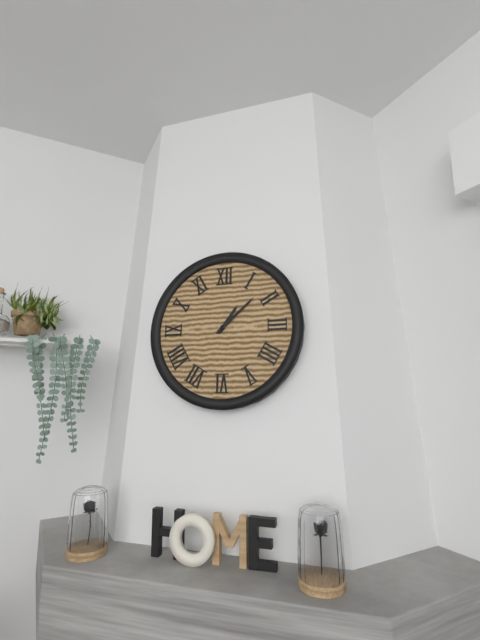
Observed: 1.08
